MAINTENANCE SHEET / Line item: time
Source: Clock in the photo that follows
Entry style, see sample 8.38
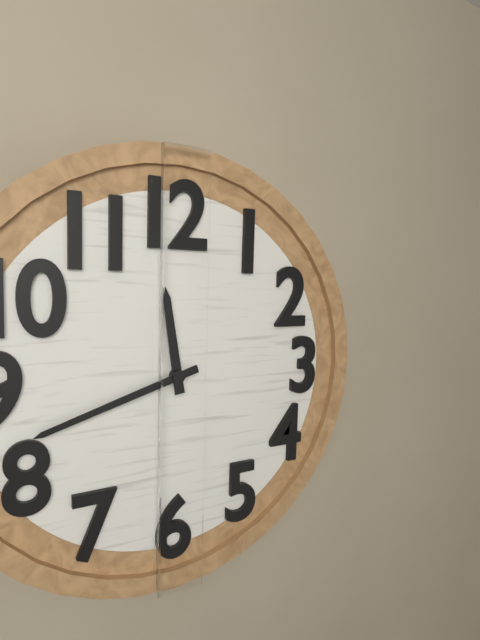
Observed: 11.42
